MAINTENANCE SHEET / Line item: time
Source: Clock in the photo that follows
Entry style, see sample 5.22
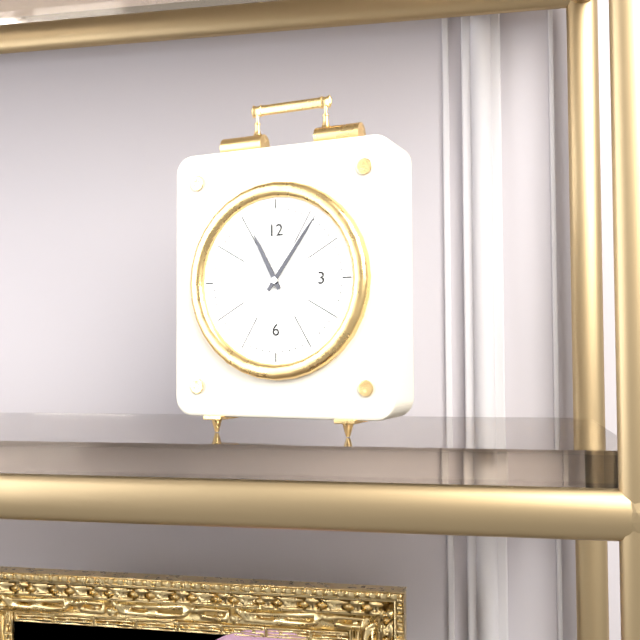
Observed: 11.06
